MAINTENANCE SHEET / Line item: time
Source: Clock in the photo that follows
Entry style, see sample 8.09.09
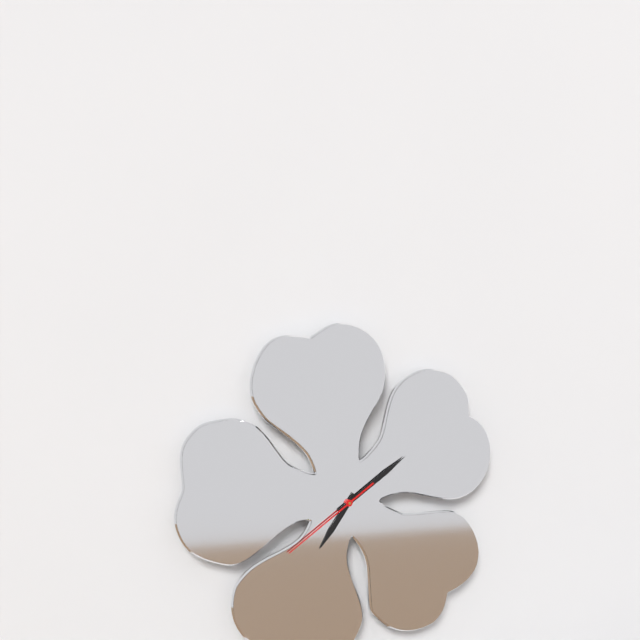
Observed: 7.09.39
